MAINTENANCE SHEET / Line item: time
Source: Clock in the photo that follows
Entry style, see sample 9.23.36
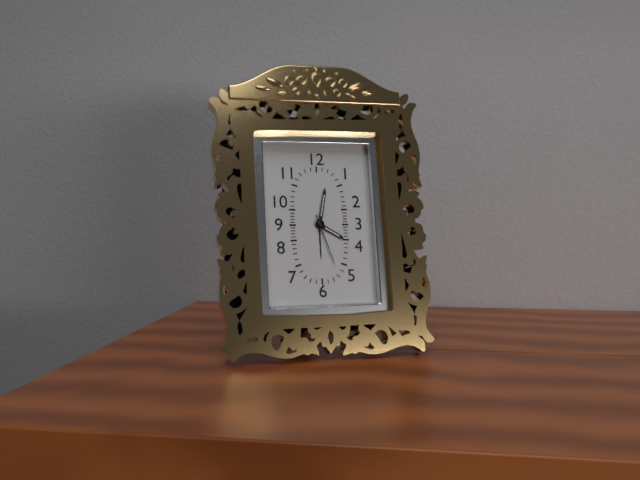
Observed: 4.02.27
